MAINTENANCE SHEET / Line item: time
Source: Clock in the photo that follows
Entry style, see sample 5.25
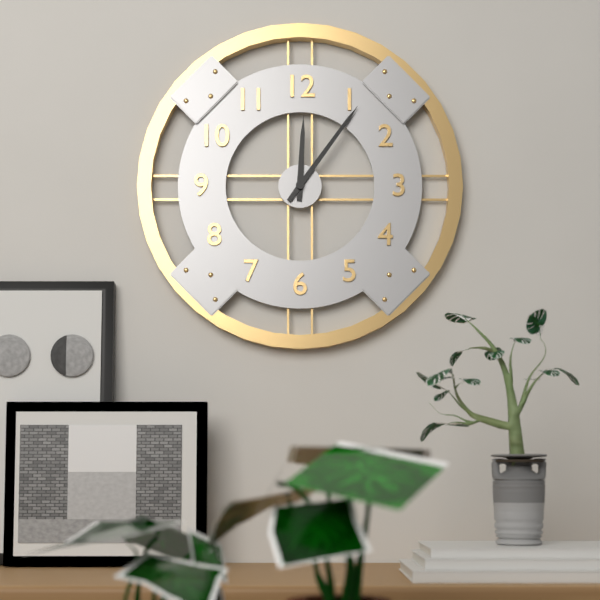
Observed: 12.06
